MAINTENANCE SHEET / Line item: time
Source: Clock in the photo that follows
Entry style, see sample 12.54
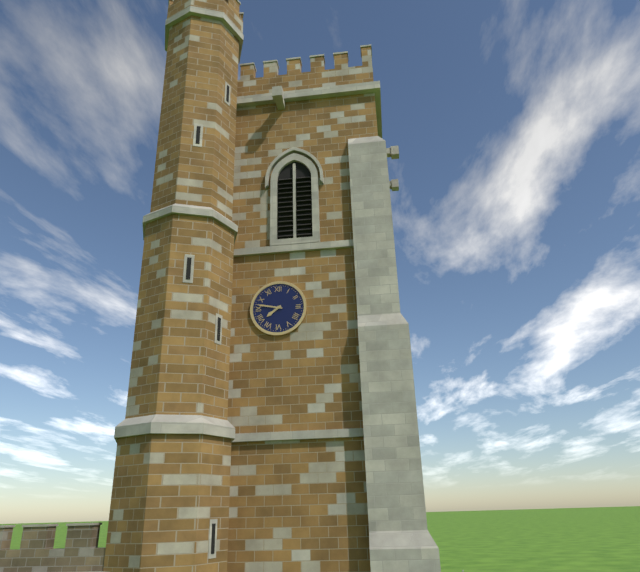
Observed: 7.47
